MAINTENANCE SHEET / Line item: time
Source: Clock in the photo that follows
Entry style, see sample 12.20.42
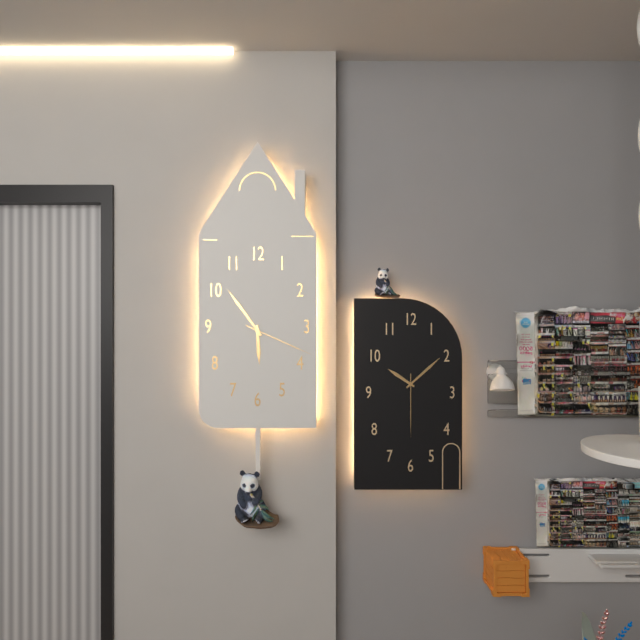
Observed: 5.54.19
